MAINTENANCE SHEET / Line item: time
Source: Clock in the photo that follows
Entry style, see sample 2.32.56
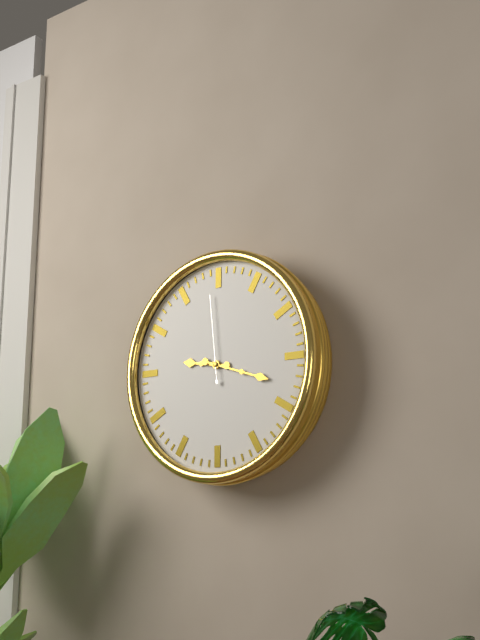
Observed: 9.18.59
